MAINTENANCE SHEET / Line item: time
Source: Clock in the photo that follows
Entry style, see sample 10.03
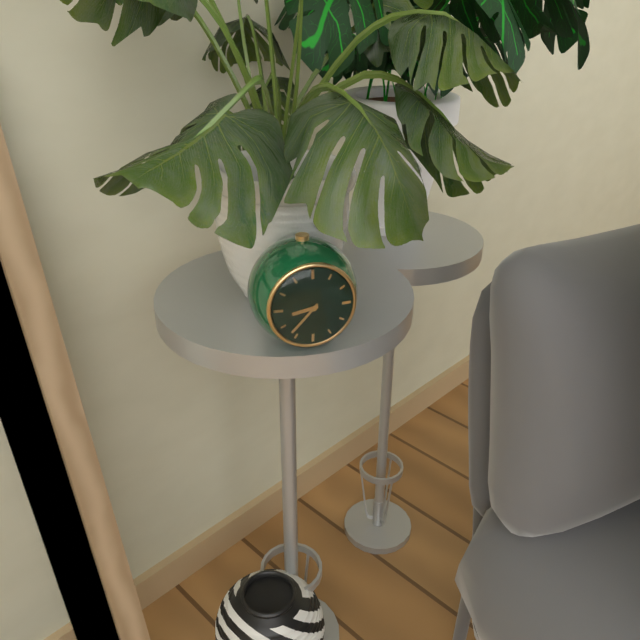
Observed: 8.37
